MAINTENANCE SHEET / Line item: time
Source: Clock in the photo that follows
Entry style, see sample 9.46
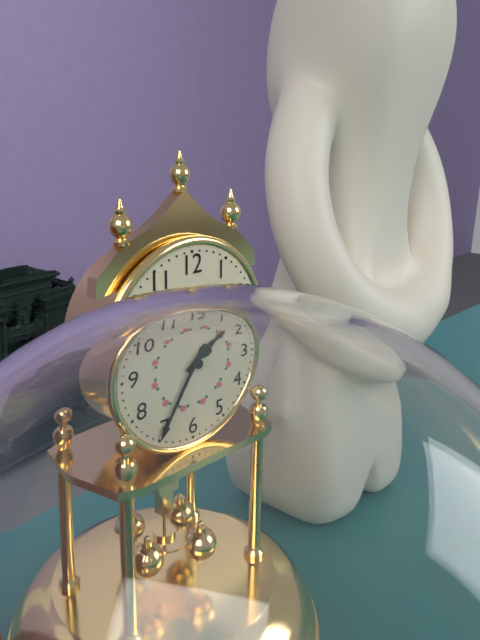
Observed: 1.35
